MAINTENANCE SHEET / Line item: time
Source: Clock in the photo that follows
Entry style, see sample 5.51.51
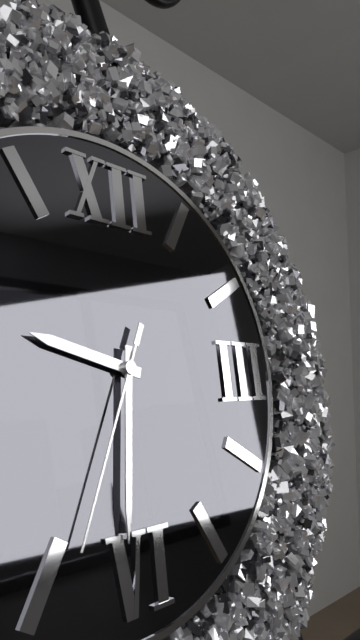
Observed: 9.31.34
